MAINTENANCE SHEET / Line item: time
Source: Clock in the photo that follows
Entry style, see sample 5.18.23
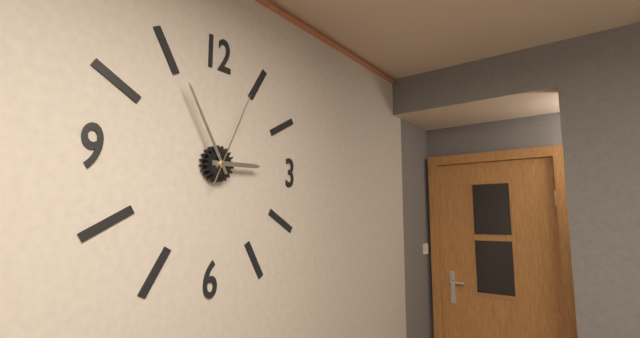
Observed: 2.55.04
